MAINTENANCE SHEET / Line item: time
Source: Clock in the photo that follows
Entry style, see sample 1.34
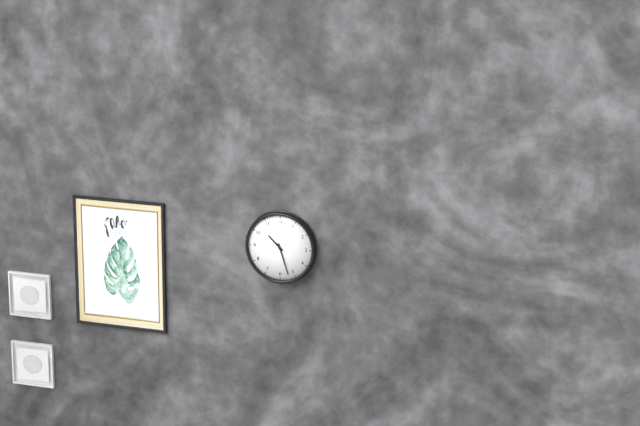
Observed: 10.27
